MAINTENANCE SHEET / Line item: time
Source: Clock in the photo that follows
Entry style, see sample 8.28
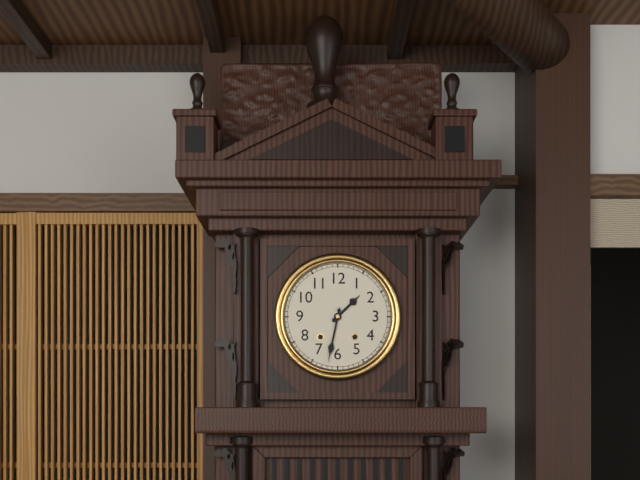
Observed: 1.32
